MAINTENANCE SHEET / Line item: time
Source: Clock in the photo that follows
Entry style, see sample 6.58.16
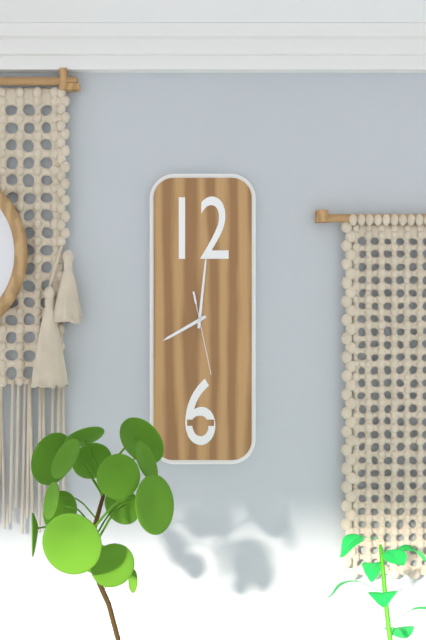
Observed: 8.01.28
